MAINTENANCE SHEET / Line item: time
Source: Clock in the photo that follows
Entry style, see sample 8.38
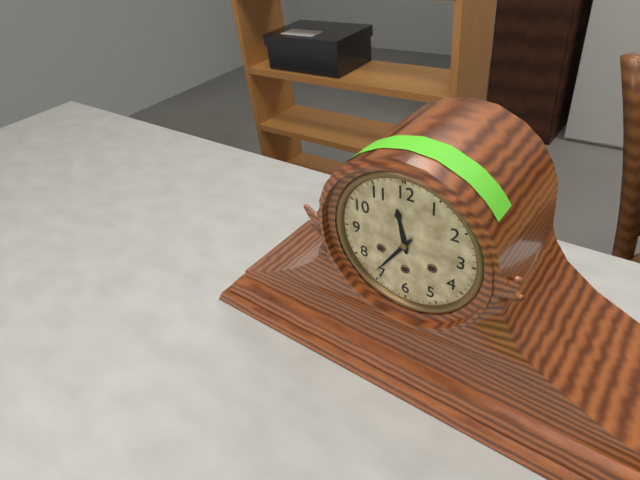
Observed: 11.36
